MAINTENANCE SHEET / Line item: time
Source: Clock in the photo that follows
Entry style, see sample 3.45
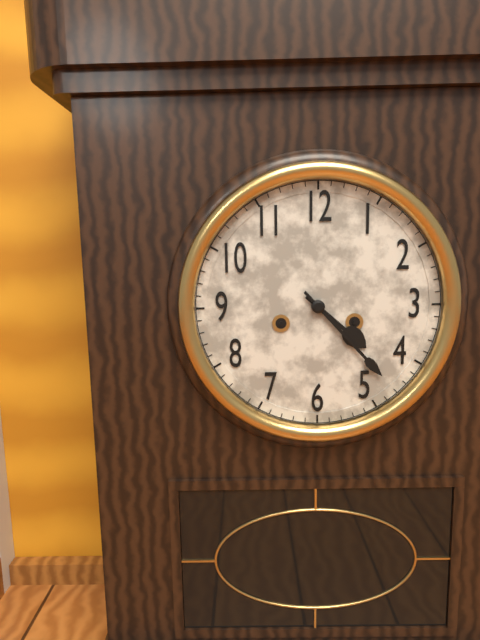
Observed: 4.23
